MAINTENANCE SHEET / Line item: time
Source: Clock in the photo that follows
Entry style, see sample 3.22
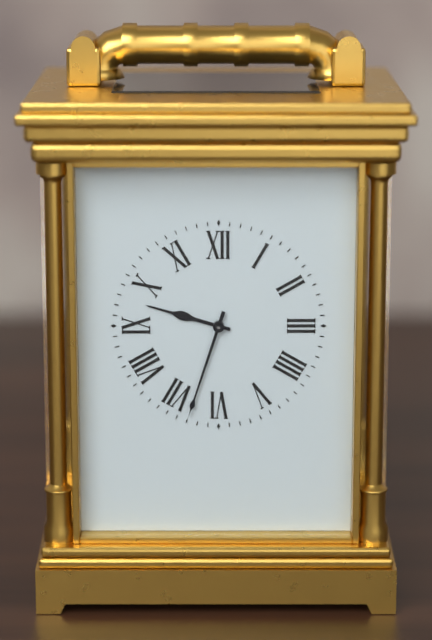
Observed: 9.33
